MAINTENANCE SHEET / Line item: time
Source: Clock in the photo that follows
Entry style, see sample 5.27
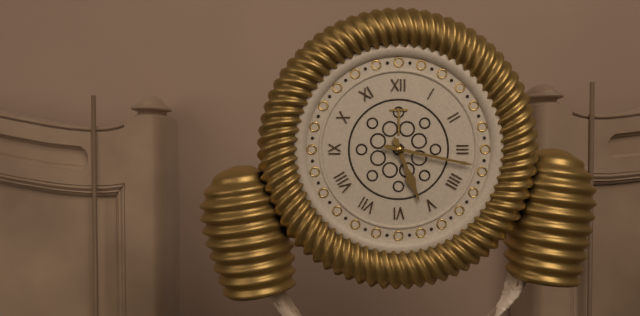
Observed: 5.17
